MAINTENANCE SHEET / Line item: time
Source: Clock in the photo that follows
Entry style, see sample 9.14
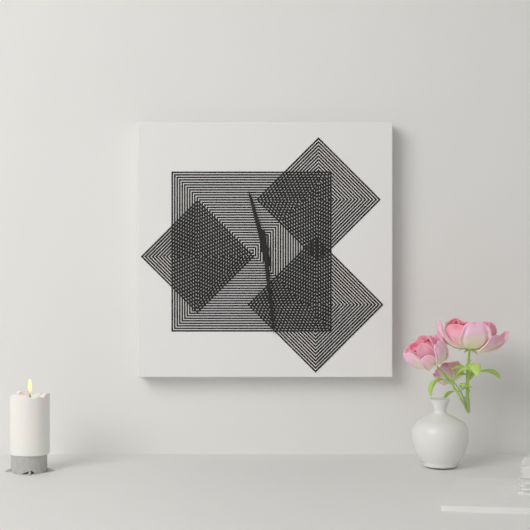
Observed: 11.29
